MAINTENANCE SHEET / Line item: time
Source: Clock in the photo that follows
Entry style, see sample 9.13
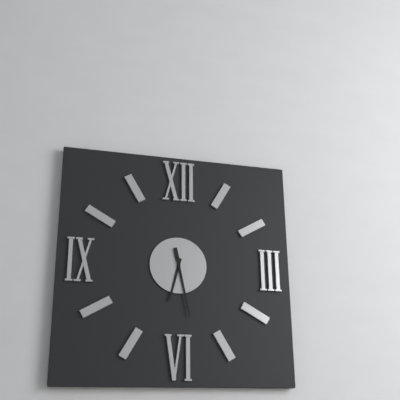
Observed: 6.28
